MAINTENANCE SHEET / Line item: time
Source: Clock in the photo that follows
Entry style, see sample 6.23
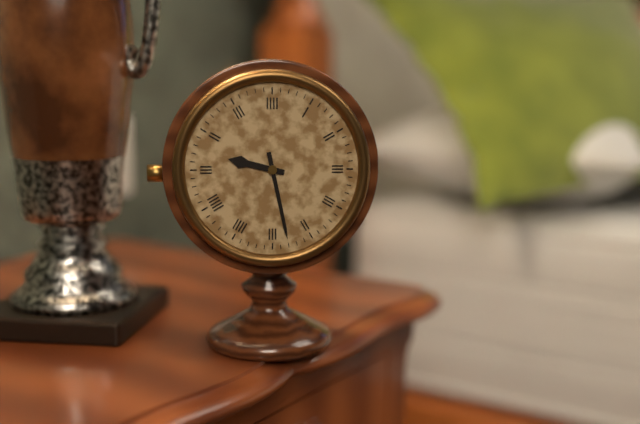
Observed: 9.28
